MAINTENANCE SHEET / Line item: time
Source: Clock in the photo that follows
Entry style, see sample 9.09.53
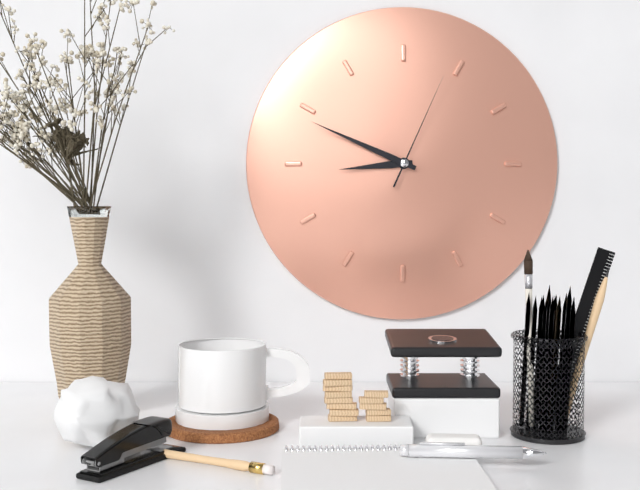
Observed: 8.49.04
